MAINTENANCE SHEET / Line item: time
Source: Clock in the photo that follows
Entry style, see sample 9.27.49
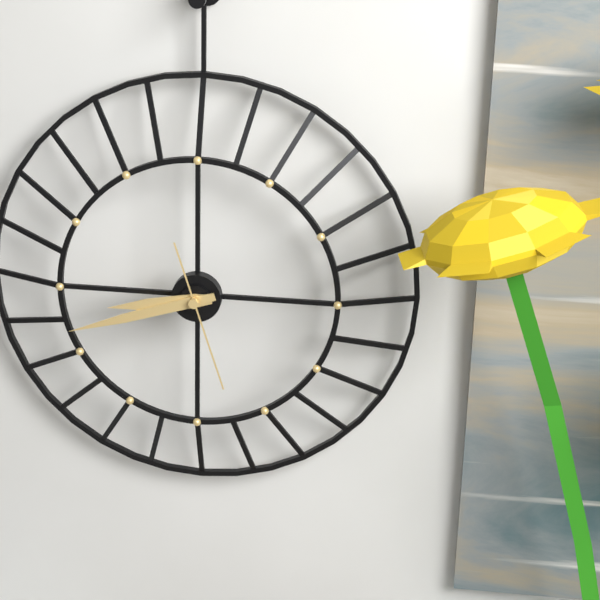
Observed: 8.42.27
